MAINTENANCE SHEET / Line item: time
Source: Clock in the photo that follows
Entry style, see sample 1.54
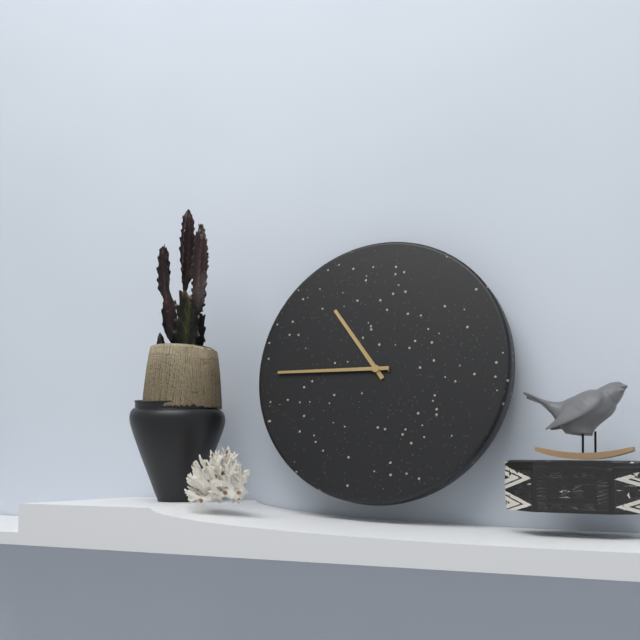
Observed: 10.45
